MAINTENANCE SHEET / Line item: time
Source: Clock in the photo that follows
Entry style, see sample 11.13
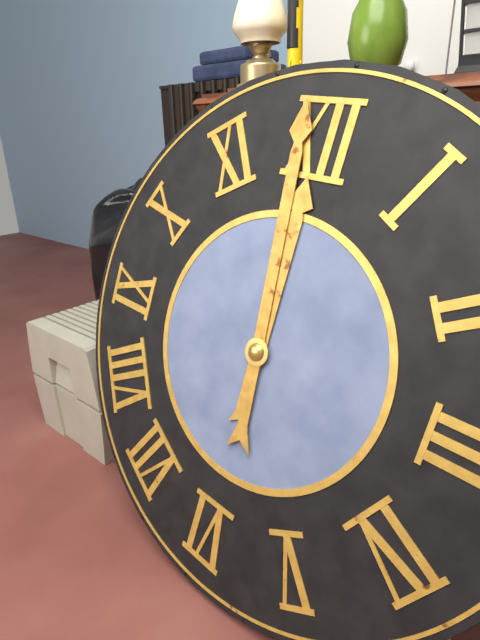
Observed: 11.59
